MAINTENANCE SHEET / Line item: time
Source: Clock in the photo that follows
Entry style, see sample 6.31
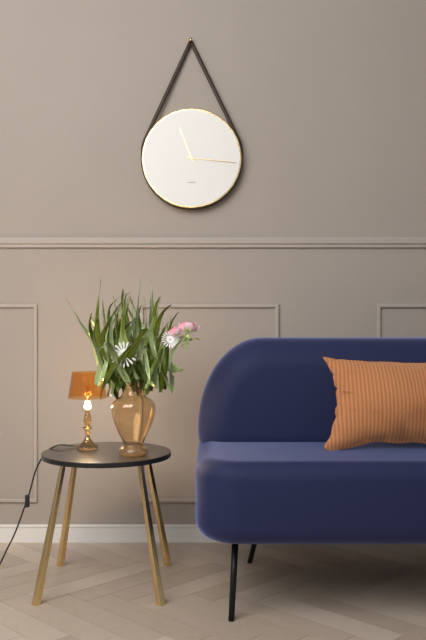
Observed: 11.16
